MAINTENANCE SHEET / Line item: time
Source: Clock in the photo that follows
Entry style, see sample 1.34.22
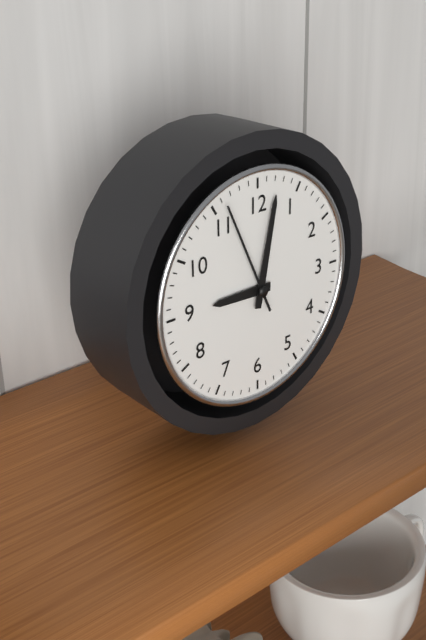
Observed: 9.02.56
